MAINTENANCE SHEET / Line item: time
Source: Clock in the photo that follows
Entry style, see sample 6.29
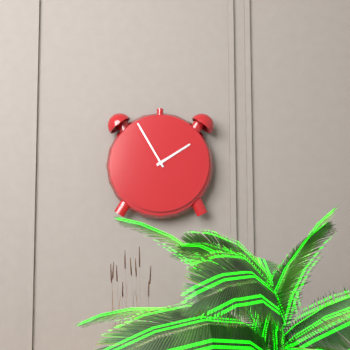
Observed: 1.55
